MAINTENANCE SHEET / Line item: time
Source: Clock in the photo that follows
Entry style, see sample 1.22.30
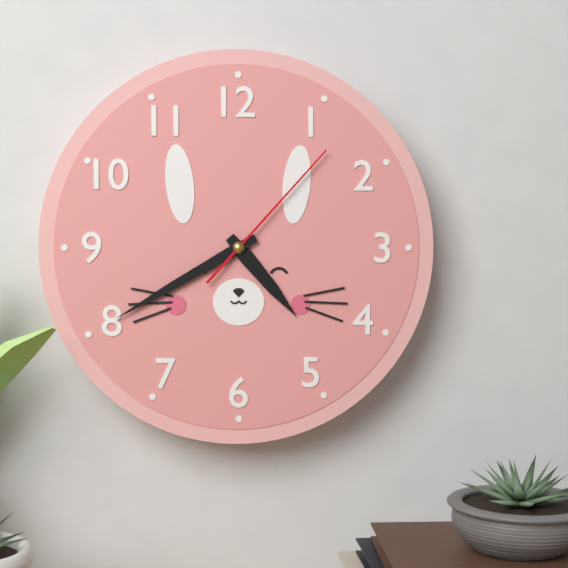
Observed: 4.40.07
